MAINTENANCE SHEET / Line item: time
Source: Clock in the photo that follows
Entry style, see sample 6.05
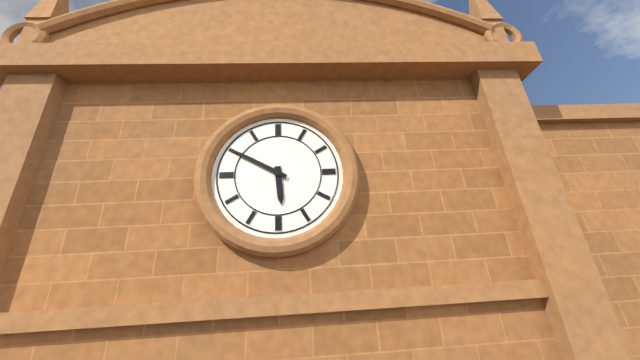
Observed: 5.50
